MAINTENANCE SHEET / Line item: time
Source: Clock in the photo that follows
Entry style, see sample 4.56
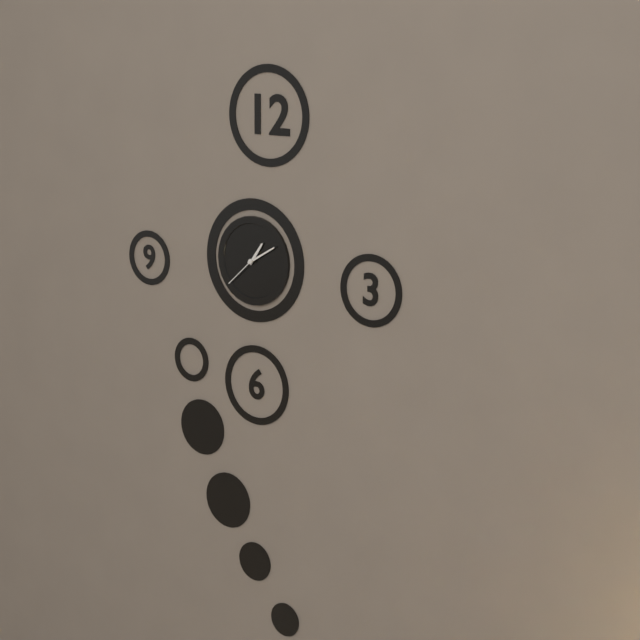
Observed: 1.10
